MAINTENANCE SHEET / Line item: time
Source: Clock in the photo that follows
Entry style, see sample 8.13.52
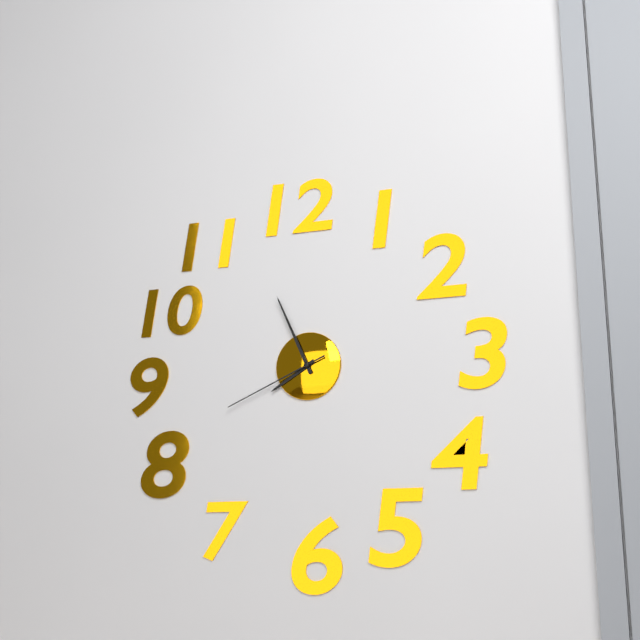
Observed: 7.56.41
